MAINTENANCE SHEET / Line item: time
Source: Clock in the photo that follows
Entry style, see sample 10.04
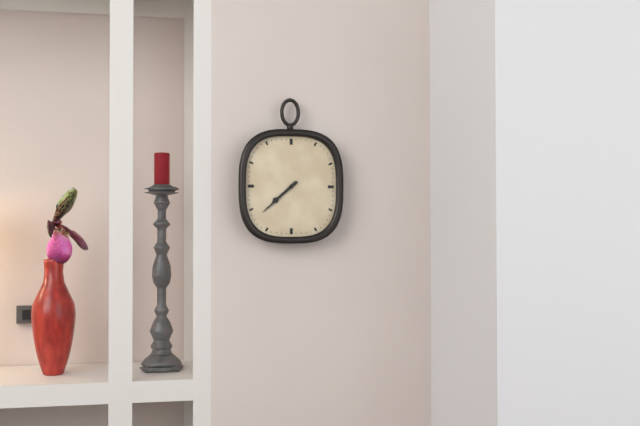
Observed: 7.38
